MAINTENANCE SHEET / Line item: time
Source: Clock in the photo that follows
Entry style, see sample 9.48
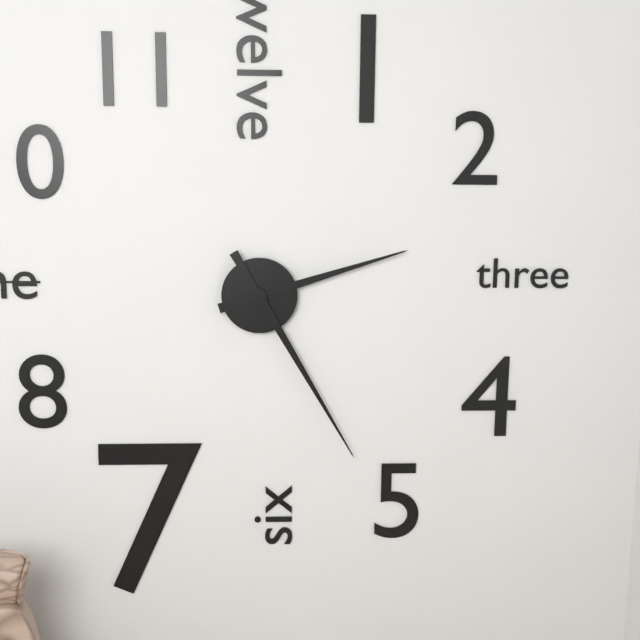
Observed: 2.25
